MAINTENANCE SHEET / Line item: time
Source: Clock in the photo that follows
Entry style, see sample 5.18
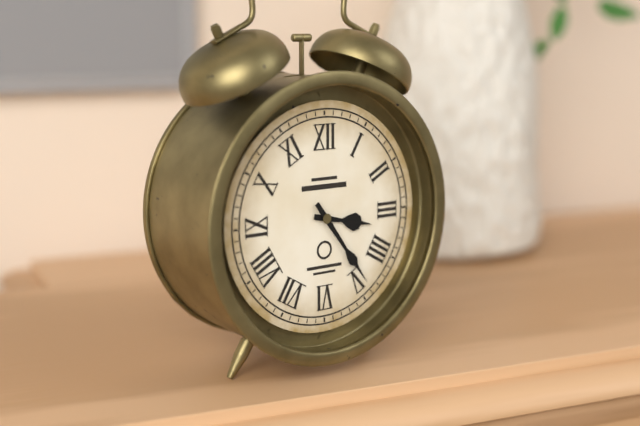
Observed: 3.24
